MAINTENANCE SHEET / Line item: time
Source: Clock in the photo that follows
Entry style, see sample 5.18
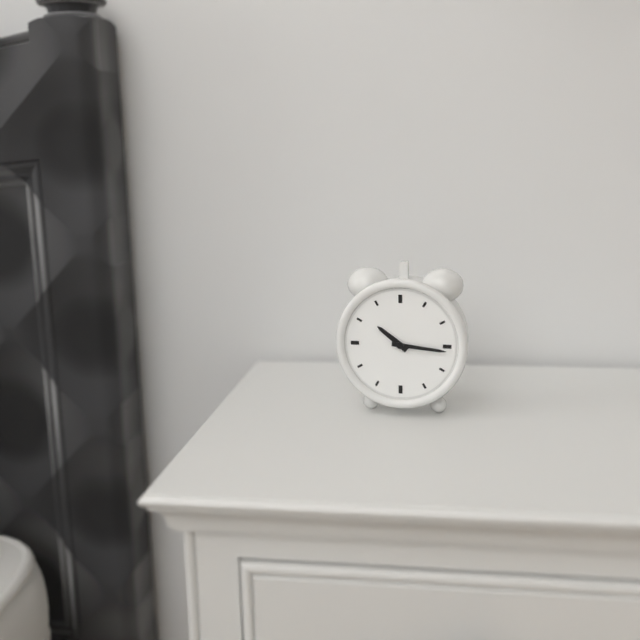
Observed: 10.16
